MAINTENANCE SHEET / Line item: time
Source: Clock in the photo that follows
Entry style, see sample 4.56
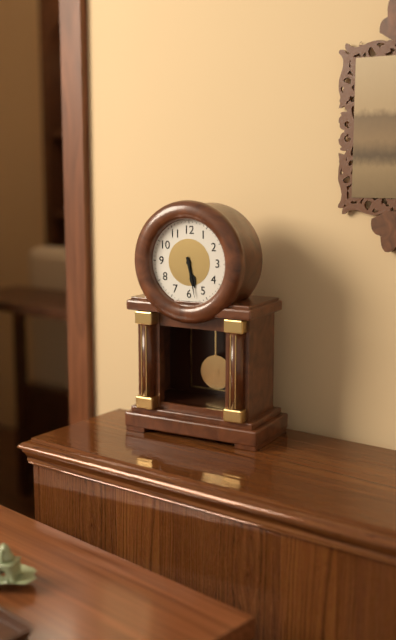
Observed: 5.28
